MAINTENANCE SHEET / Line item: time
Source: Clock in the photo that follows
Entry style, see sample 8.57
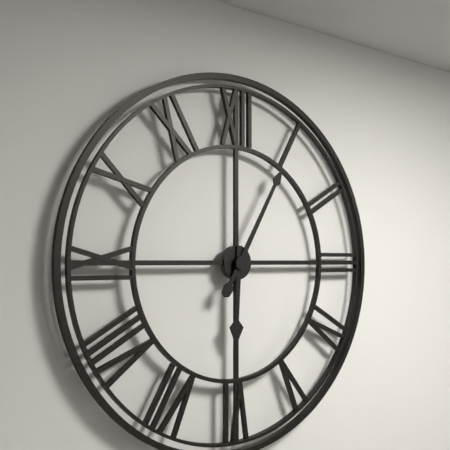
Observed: 6.05
